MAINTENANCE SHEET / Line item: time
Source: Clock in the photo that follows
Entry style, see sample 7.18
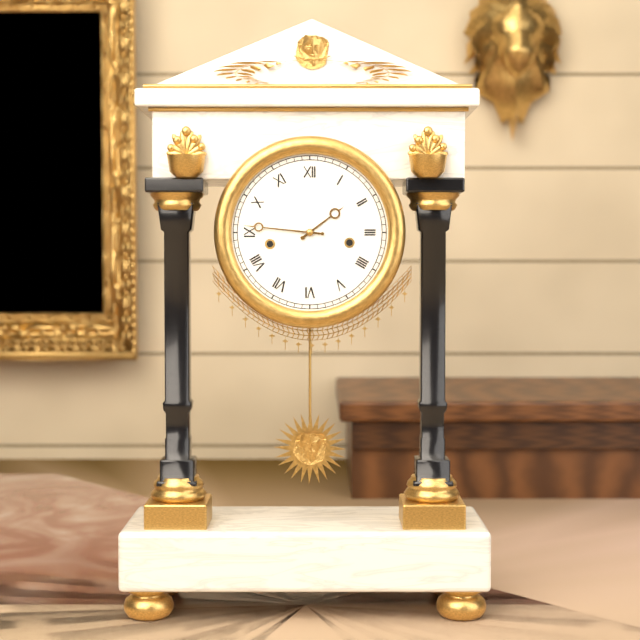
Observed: 1.46
